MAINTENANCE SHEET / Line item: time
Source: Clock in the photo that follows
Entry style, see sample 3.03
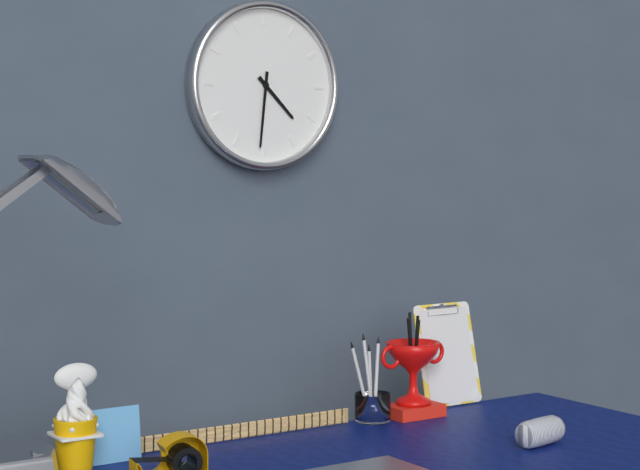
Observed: 4.31
